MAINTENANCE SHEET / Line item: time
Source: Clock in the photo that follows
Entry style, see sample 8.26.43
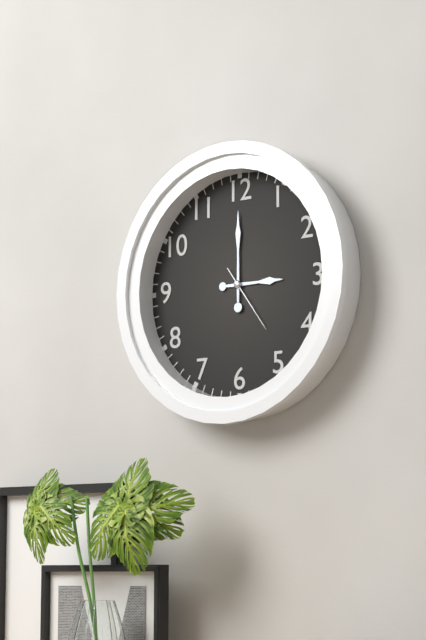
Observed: 3.00.24
